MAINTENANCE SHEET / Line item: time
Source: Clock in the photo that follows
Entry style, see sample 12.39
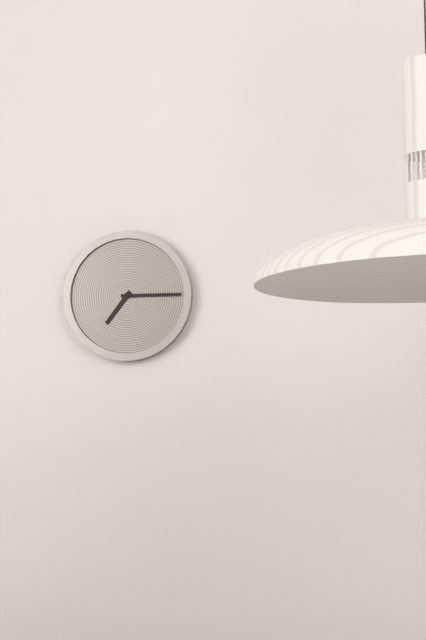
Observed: 7.15
